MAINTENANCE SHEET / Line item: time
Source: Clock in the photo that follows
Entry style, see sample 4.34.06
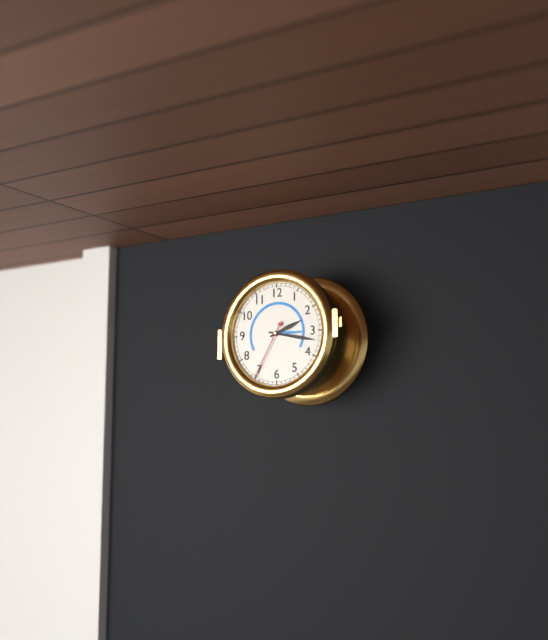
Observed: 2.17.35
